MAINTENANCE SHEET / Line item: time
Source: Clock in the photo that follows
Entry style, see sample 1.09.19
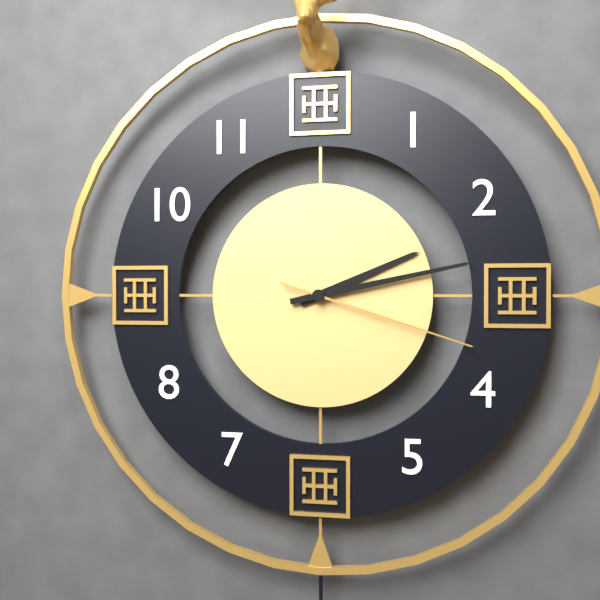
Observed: 2.13.18
